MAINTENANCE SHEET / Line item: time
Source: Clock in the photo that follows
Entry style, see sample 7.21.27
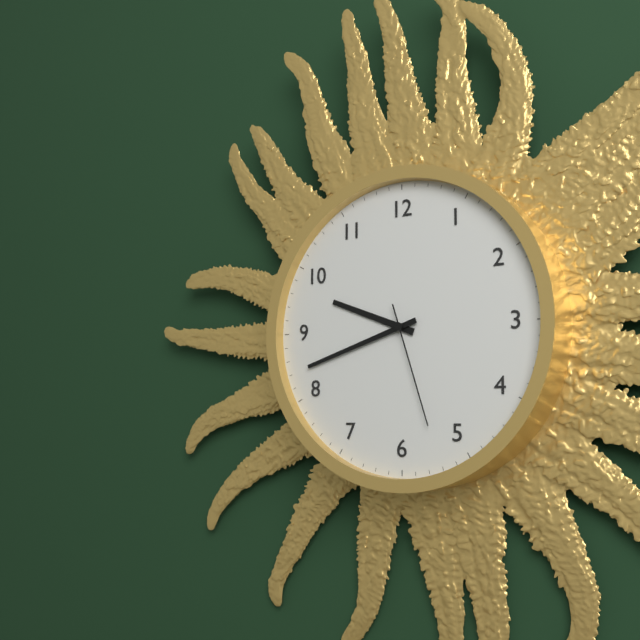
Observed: 9.42.27
